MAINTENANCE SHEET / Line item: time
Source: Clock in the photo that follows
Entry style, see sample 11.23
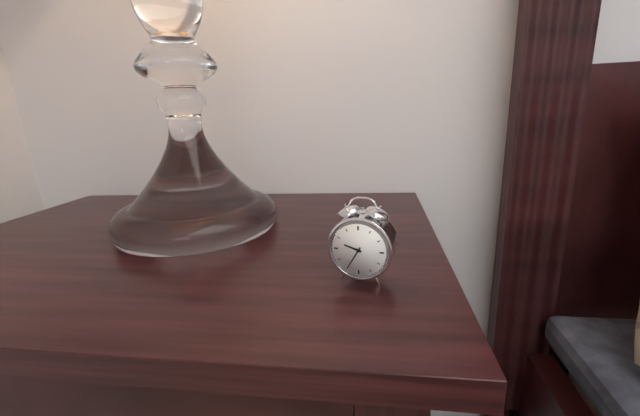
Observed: 9.35
